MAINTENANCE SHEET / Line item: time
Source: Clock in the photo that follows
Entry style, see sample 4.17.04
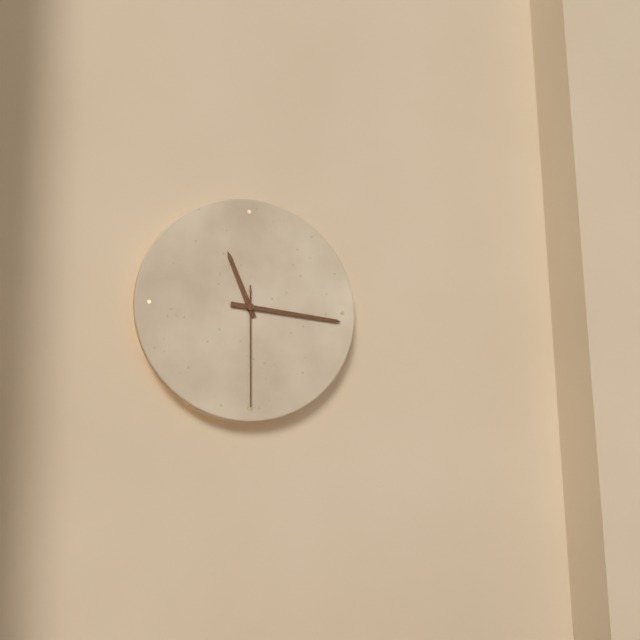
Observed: 11.16.30
